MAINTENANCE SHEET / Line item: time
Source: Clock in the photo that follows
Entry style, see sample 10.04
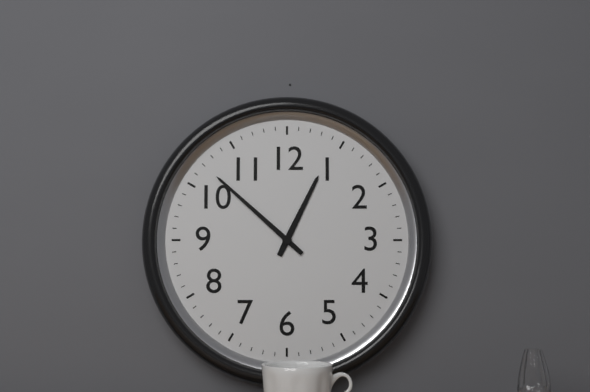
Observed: 12.52
